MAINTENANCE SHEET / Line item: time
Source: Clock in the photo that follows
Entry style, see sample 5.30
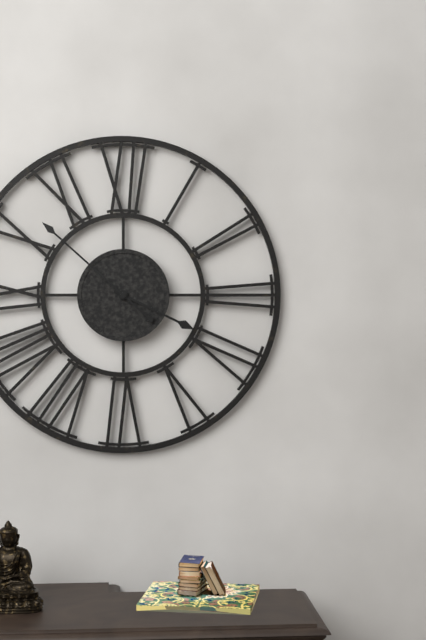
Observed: 3.52
